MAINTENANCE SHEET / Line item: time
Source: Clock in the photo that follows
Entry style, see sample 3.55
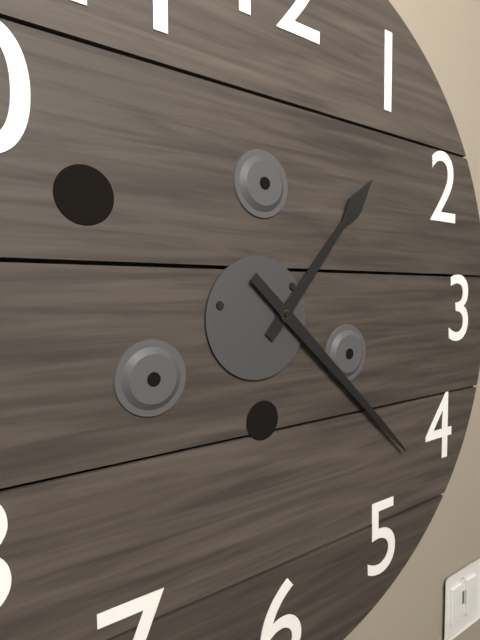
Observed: 1.22
